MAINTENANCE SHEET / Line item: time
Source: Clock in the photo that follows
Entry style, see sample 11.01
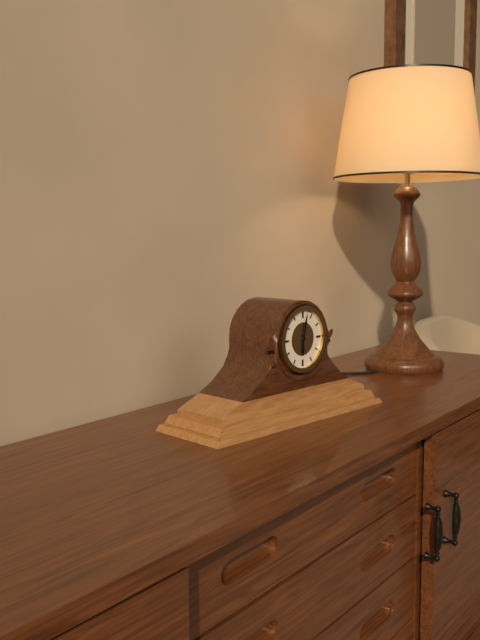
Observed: 6.02
